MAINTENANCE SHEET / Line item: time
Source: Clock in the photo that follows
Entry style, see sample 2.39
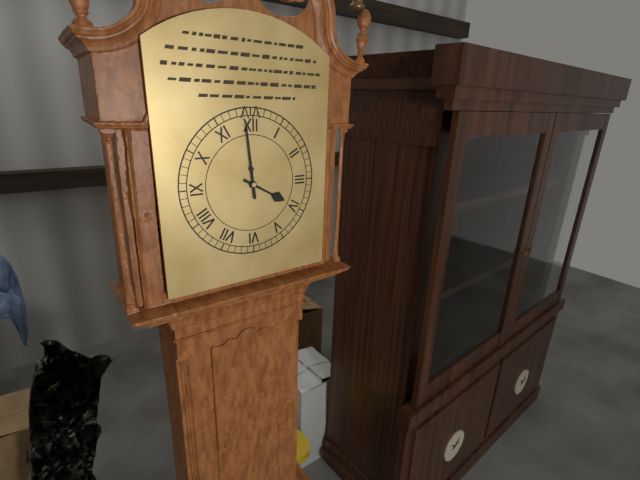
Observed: 3.59
